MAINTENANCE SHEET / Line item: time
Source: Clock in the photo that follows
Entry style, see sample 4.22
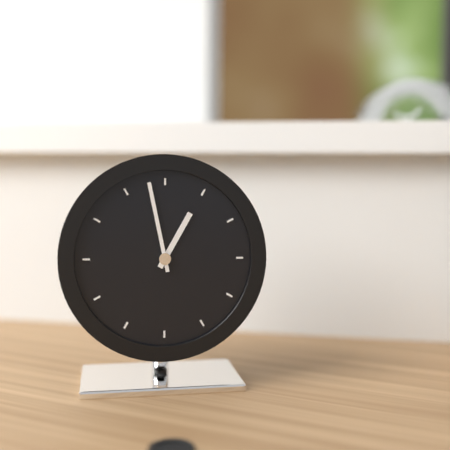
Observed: 12.58
